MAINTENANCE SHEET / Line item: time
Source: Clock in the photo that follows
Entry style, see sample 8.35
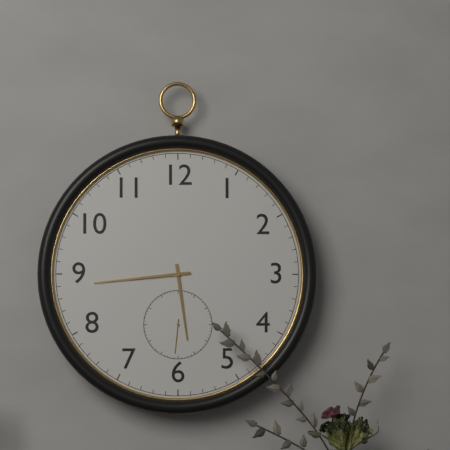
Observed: 5.44
